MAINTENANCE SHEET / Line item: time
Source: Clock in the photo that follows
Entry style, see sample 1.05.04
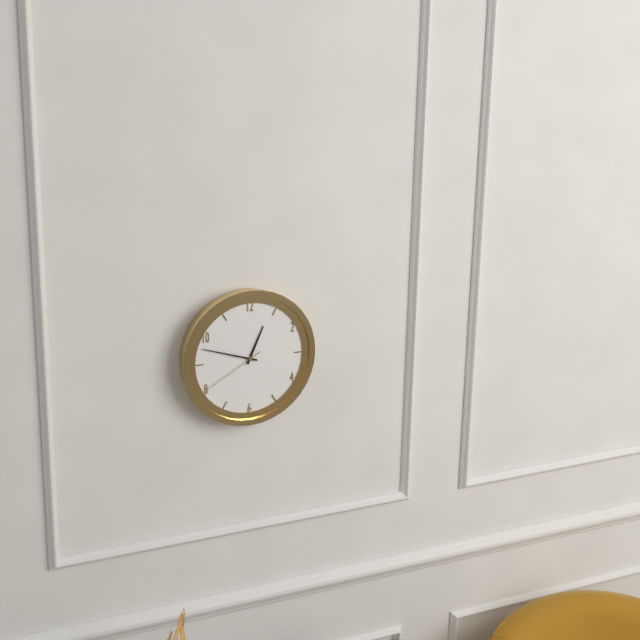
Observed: 12.48.40
